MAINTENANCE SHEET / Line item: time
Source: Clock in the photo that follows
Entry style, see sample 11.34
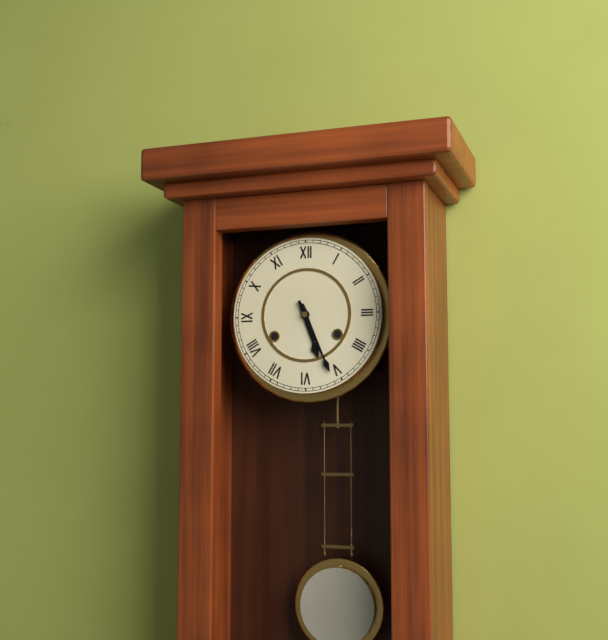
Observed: 5.26
